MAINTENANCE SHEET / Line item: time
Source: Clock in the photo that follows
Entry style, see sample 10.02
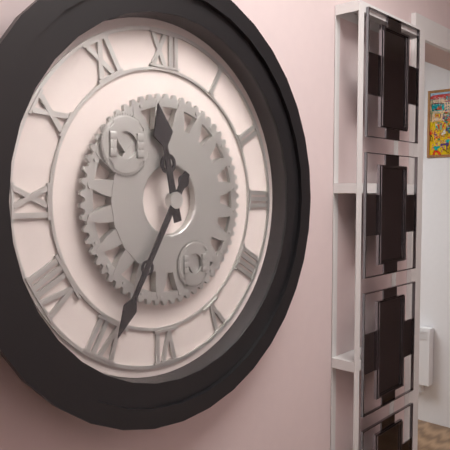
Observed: 11.35
